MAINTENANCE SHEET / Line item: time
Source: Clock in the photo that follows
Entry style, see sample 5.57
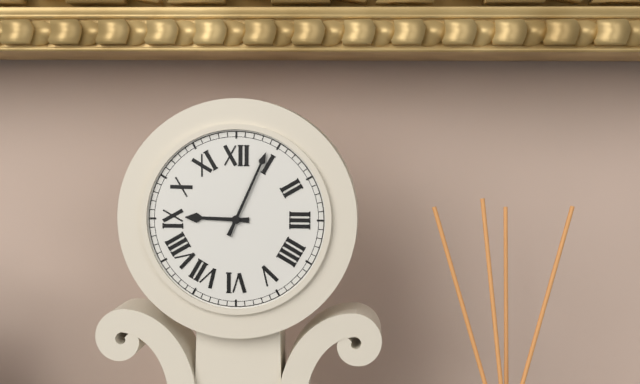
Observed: 9.04
